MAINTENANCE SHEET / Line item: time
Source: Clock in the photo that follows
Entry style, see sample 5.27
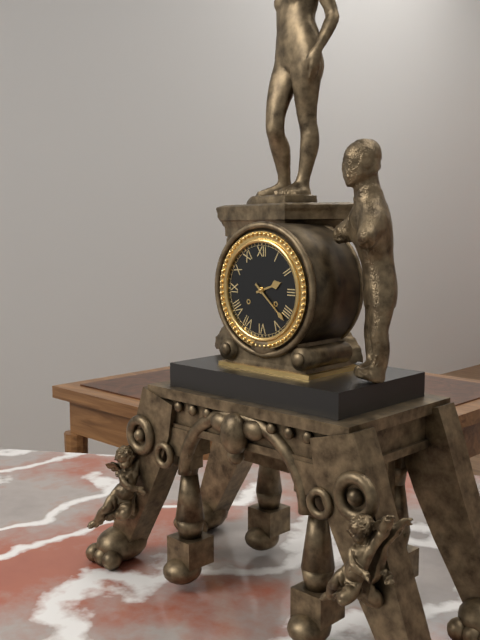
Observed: 2.22
